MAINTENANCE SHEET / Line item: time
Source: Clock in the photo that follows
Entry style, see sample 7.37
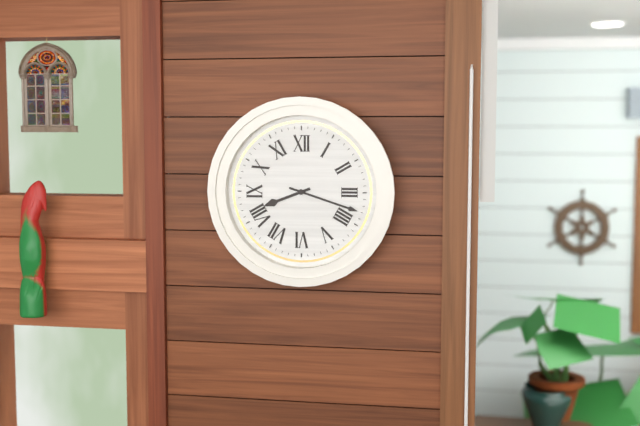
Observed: 8.18
